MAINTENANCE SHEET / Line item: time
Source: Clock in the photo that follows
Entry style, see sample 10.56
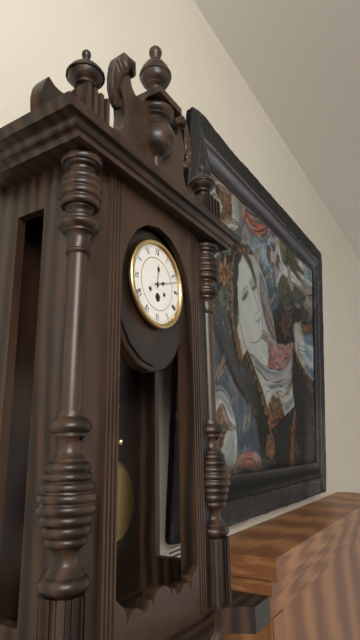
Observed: 12.12
